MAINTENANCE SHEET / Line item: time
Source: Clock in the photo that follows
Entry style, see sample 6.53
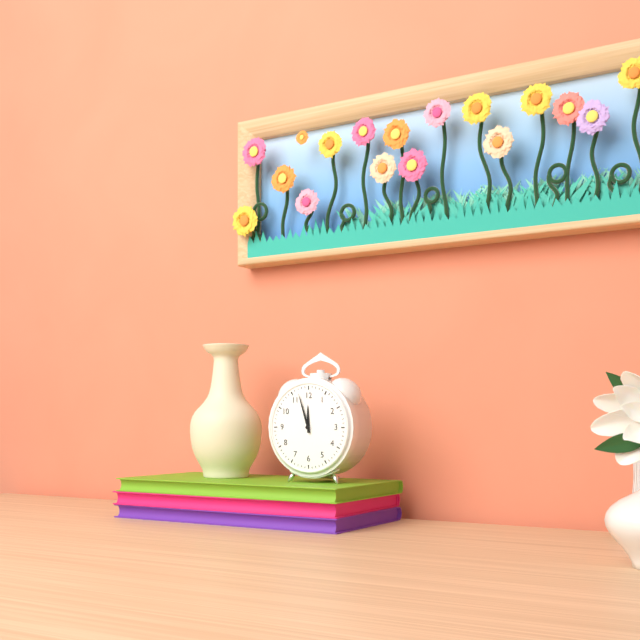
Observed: 11.57
